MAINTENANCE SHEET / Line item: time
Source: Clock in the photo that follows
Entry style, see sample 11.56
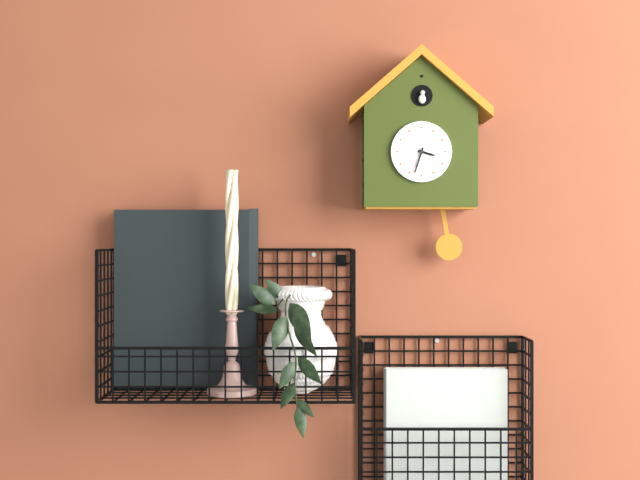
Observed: 3.33
